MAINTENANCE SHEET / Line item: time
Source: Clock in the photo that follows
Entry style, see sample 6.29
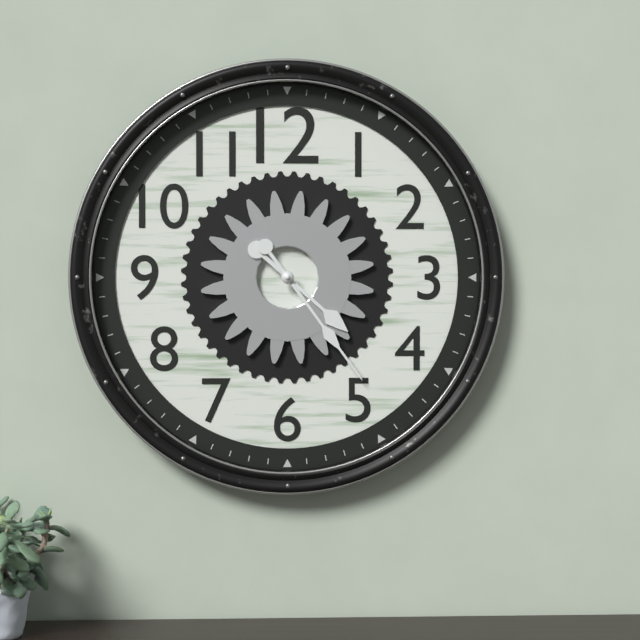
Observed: 4.24
